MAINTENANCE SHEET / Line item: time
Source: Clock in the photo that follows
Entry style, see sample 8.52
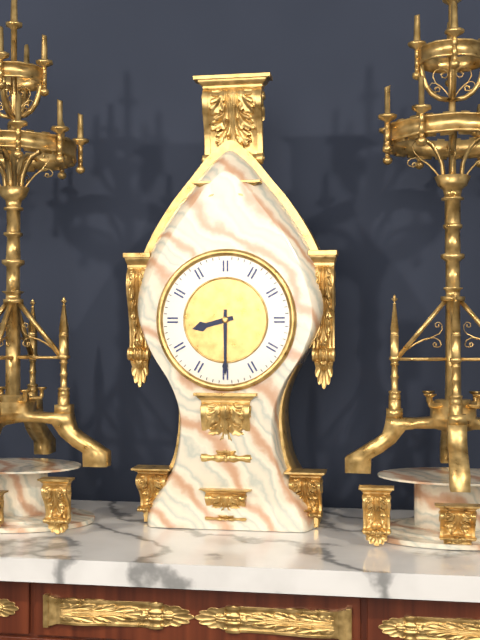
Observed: 8.30
